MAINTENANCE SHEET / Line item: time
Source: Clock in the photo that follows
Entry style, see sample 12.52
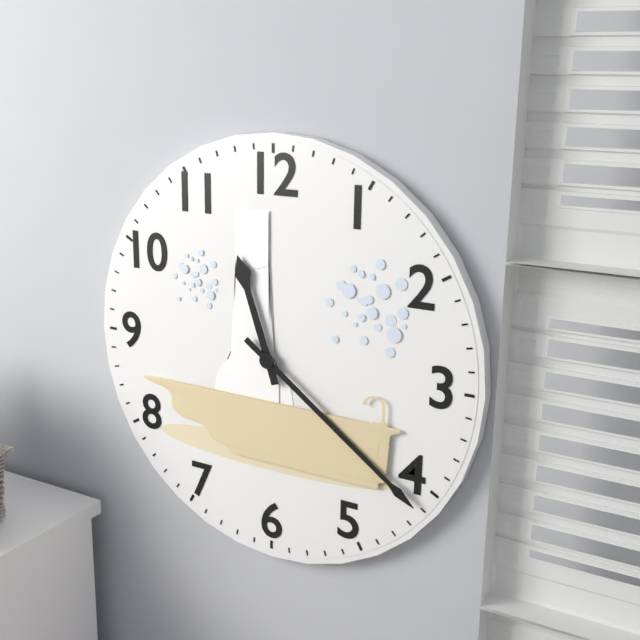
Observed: 11.21
